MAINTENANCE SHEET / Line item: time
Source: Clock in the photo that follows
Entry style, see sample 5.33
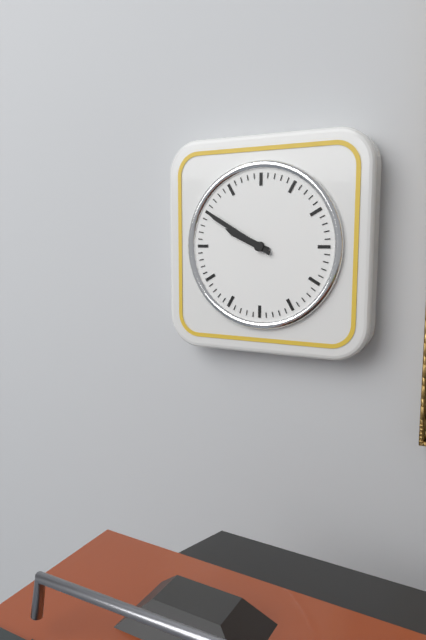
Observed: 9.50
